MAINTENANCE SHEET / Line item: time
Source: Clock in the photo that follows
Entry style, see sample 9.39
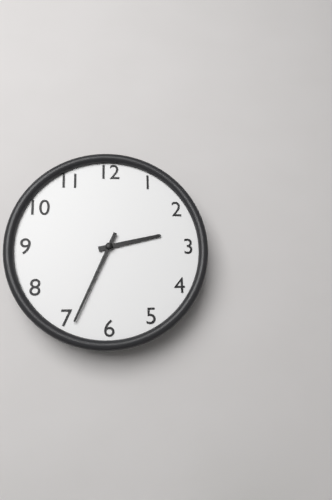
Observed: 2.34
